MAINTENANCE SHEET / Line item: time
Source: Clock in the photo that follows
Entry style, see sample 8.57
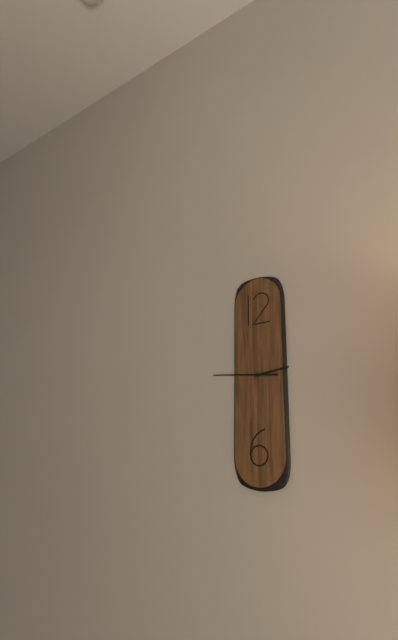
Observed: 2.46
